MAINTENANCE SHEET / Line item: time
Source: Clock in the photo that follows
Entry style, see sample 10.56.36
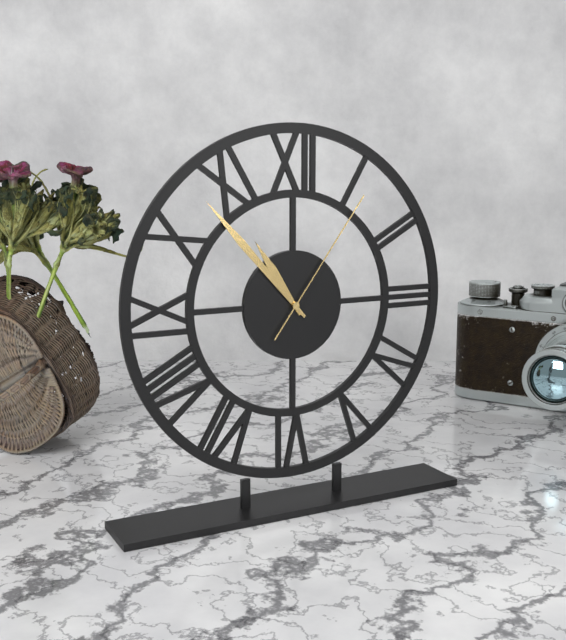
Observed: 10.53.06
